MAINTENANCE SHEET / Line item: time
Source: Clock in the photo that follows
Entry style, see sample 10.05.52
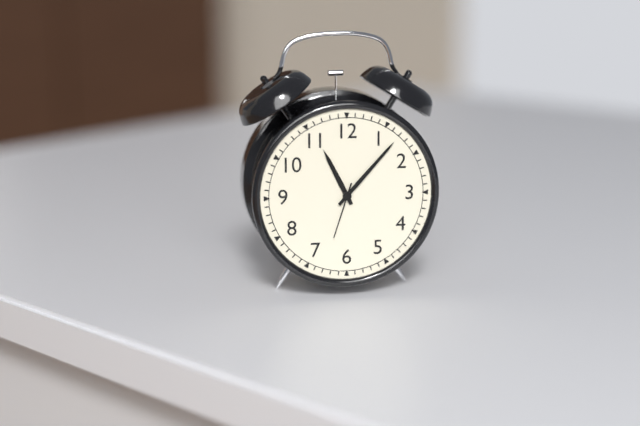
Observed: 11.07.33
